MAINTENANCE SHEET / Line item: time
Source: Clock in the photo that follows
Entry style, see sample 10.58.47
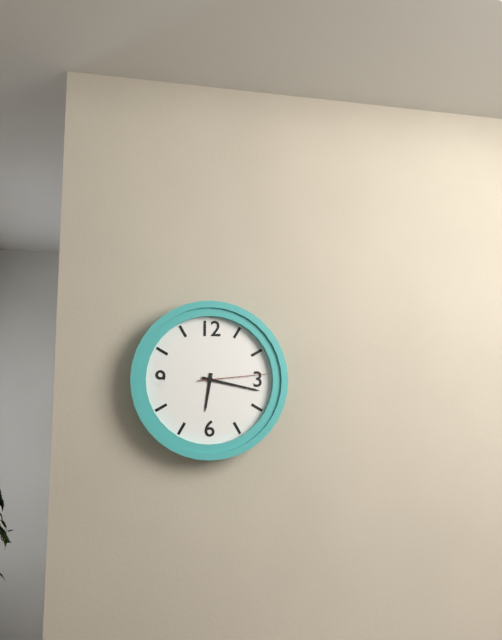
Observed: 6.17.14
